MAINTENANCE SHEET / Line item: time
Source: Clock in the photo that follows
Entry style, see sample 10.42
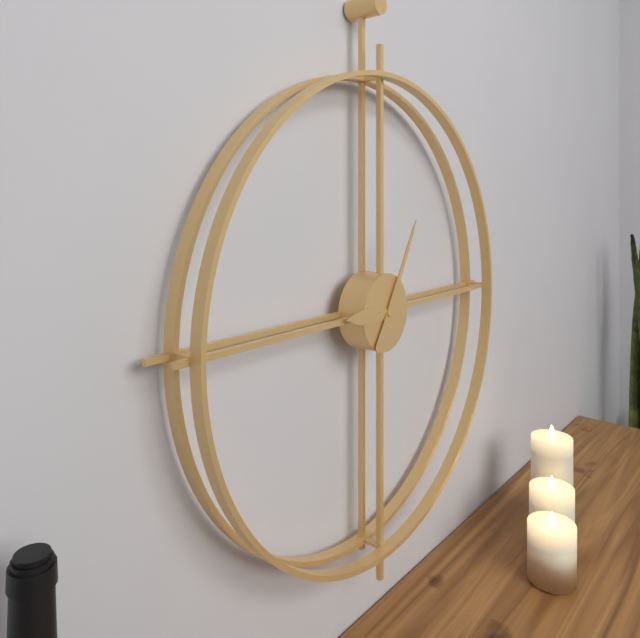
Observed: 9.05
